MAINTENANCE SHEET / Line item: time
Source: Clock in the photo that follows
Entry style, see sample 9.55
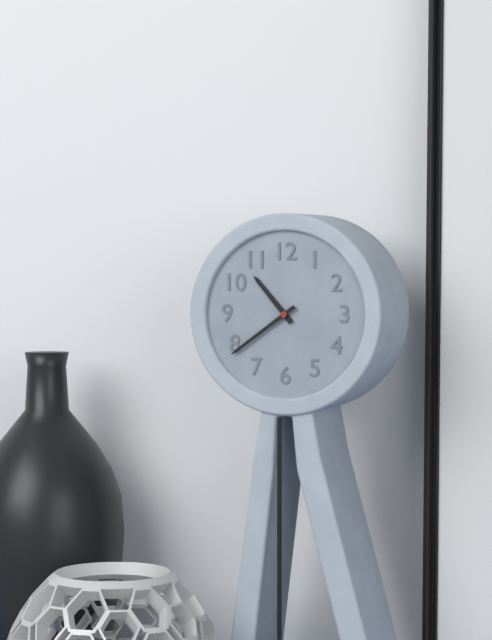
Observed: 10.39
